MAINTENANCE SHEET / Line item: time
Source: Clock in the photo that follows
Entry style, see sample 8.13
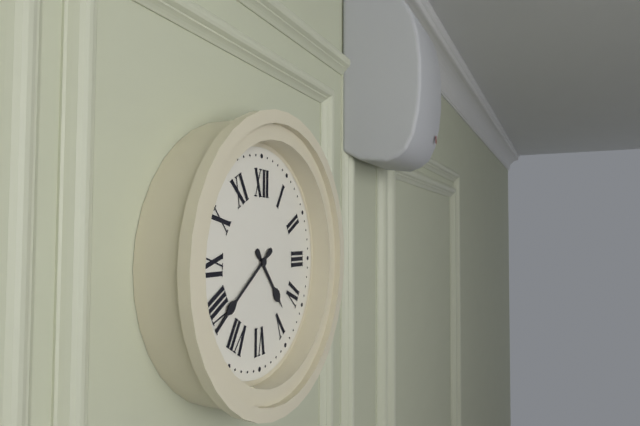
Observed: 4.39
